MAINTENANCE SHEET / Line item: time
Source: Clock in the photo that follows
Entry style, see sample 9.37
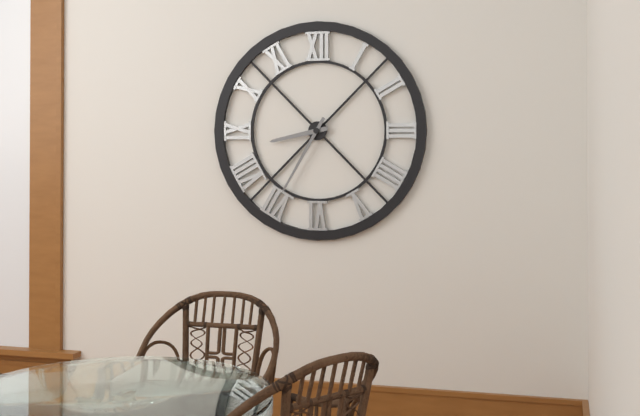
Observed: 8.35
